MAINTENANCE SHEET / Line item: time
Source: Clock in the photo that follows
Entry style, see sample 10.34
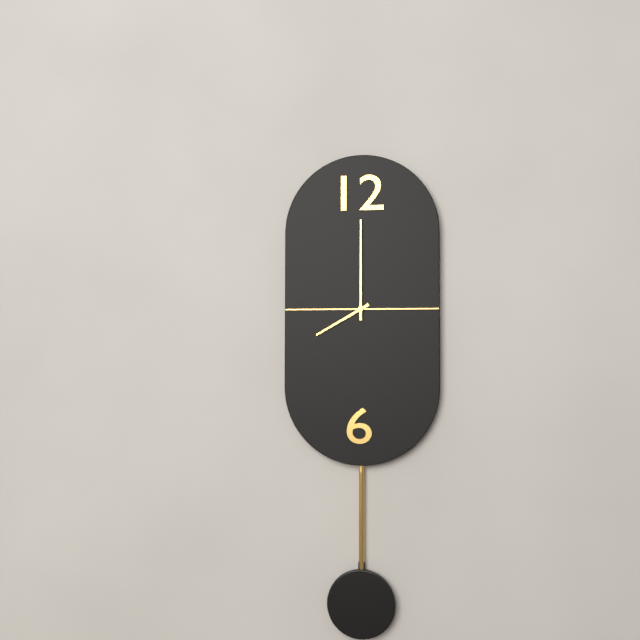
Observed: 8.00
